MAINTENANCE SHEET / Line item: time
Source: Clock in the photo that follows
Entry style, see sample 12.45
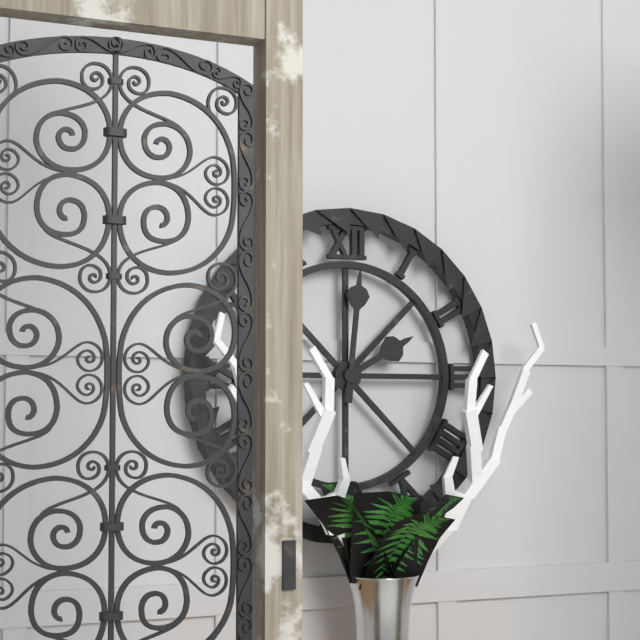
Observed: 2.01
